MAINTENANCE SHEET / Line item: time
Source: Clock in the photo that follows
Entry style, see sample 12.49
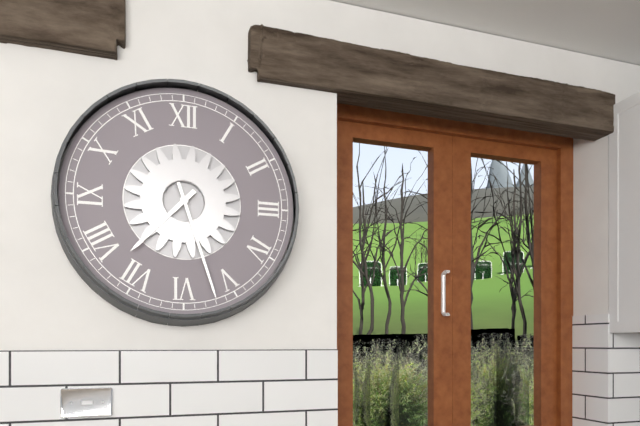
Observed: 7.27
